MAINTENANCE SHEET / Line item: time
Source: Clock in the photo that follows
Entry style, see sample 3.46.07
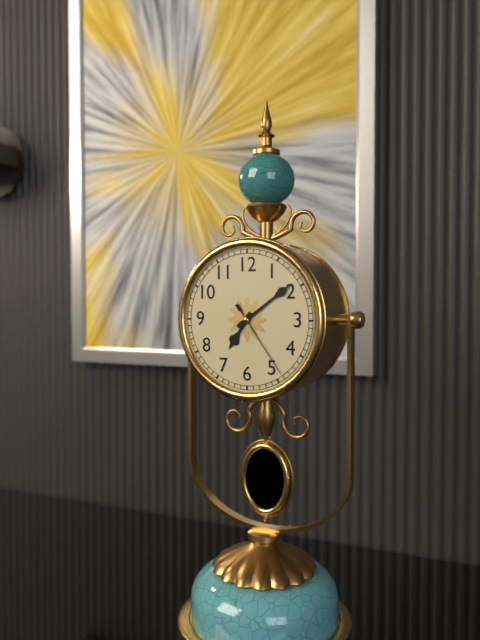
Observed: 7.09.24
